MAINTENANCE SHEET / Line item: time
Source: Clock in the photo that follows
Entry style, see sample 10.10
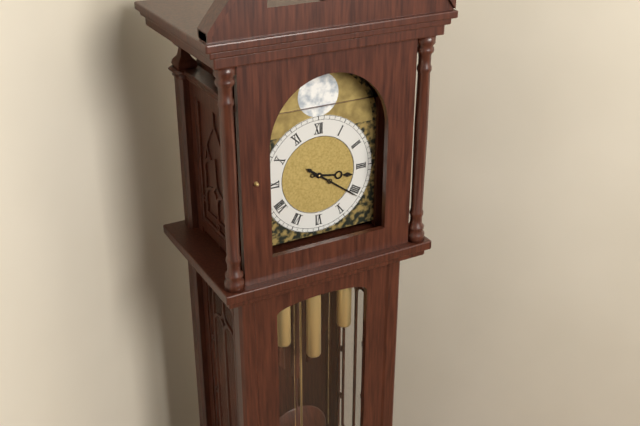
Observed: 3.21
